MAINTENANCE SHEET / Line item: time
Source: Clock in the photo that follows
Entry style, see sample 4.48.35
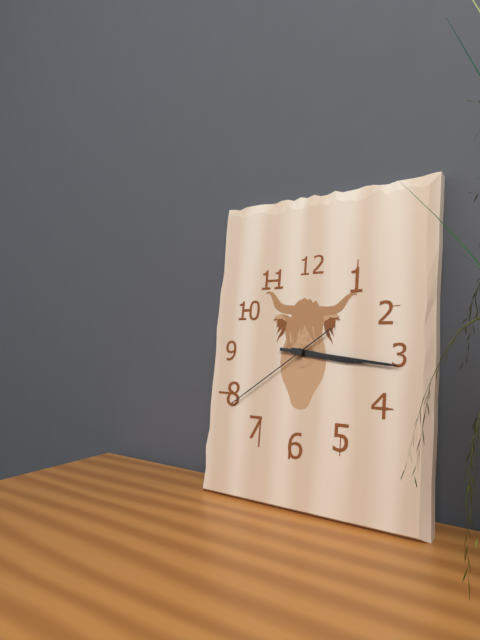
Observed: 3.16.39
